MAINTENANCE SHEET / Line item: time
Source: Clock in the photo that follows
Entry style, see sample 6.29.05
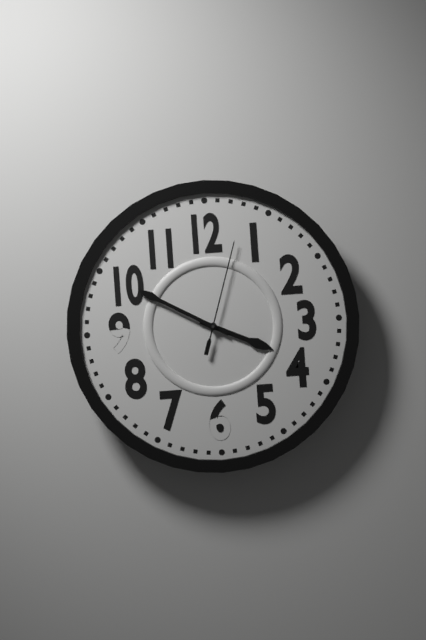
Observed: 3.50.03
